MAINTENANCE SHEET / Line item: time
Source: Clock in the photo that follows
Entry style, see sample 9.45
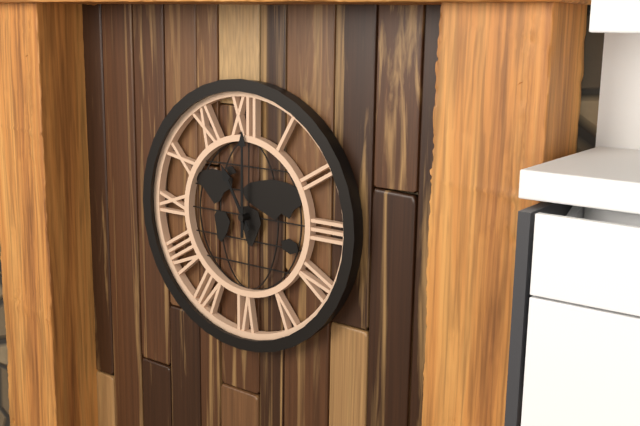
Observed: 11.00
